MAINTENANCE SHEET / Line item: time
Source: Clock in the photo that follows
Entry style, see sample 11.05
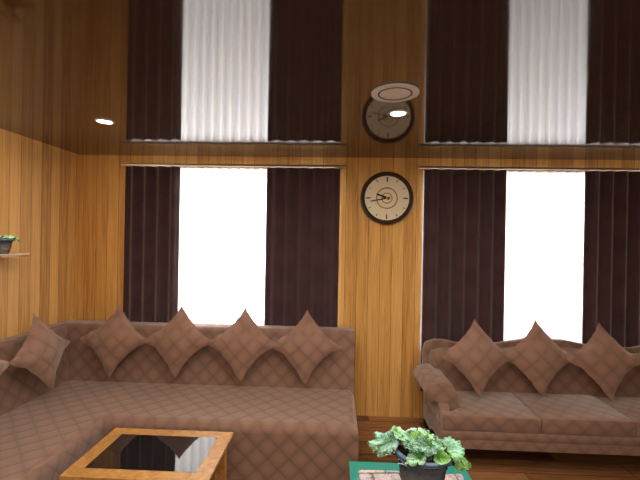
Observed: 9.43
